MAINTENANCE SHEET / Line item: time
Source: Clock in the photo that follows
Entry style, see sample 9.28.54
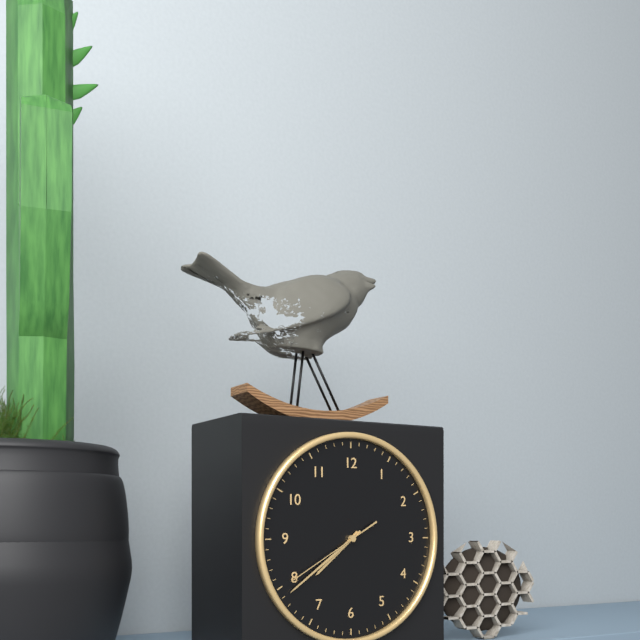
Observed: 7.39.40
